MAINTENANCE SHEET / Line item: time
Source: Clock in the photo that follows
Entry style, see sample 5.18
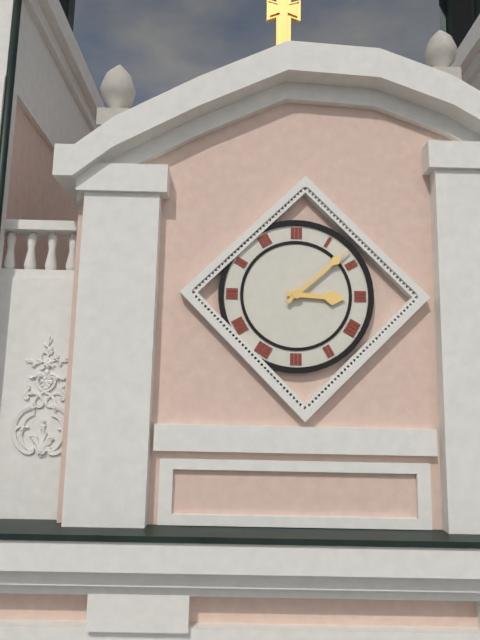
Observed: 3.08
